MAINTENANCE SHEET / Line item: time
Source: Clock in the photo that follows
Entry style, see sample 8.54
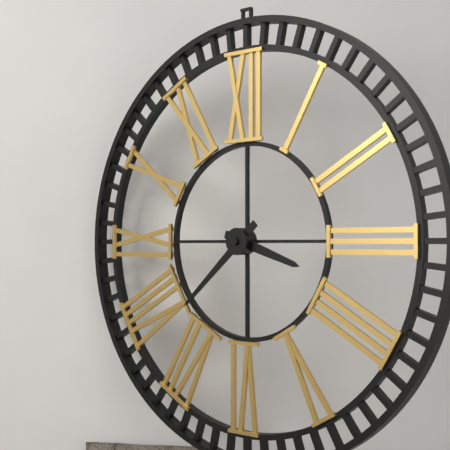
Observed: 3.38
